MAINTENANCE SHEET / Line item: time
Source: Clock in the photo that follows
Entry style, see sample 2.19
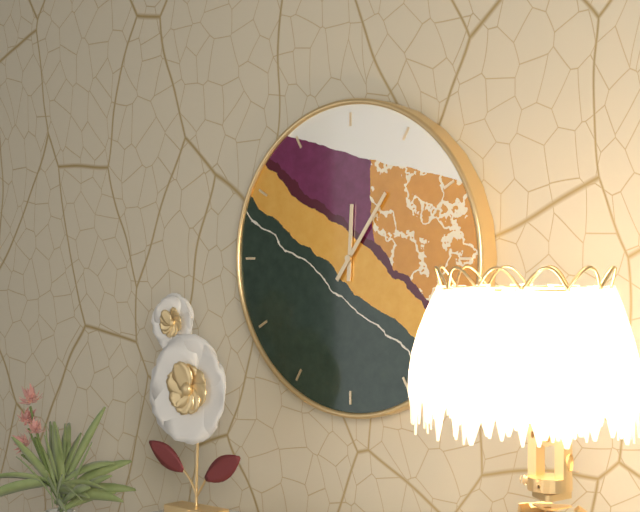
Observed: 12.06
